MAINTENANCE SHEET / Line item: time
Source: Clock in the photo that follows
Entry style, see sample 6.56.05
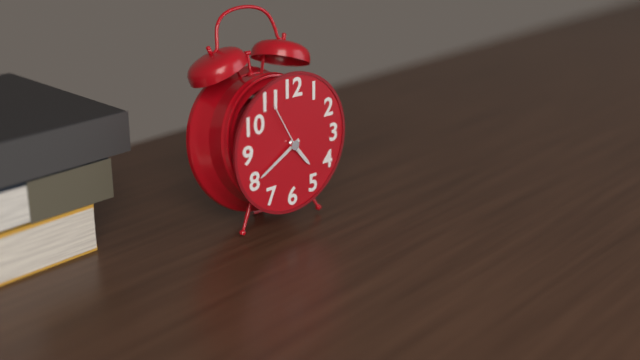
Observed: 4.40.55
